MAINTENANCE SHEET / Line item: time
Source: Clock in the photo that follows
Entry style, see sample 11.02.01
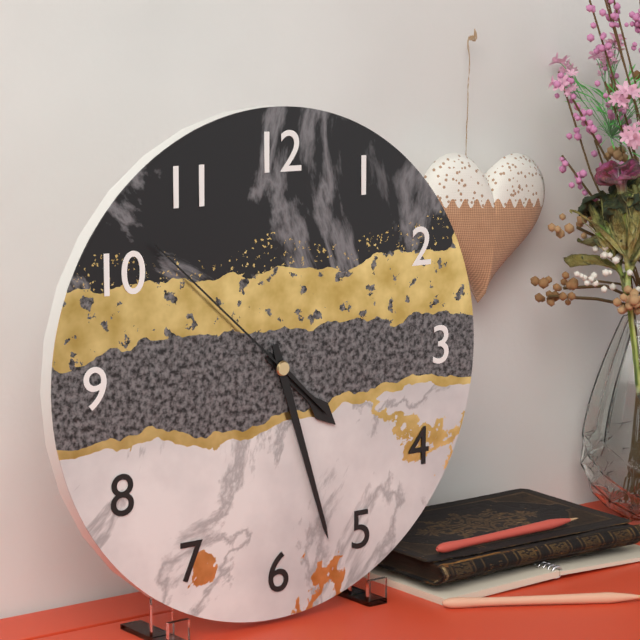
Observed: 4.27.52
